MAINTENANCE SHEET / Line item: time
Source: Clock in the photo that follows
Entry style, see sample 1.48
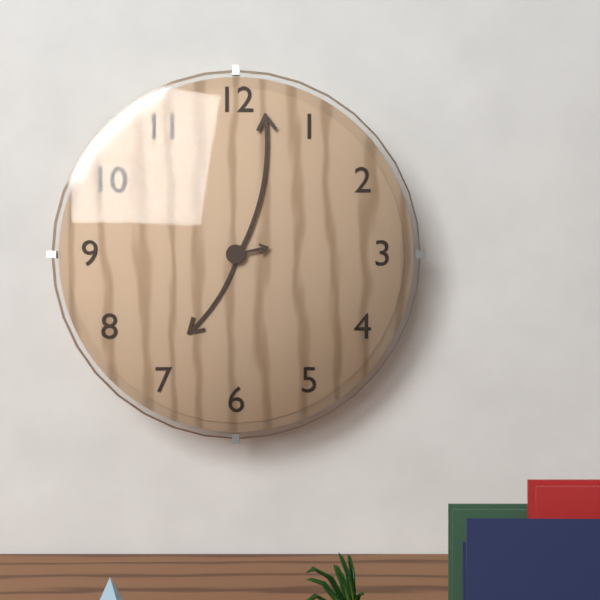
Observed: 7.02
